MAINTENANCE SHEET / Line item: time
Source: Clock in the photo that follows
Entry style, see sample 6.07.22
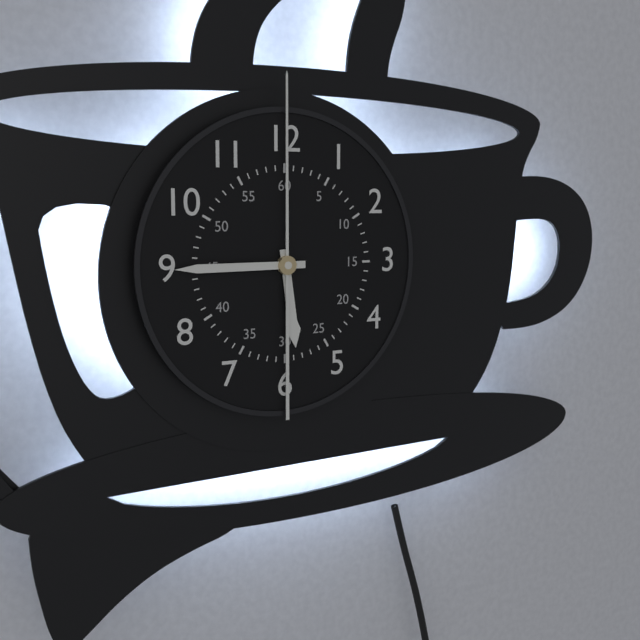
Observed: 5.45.00
